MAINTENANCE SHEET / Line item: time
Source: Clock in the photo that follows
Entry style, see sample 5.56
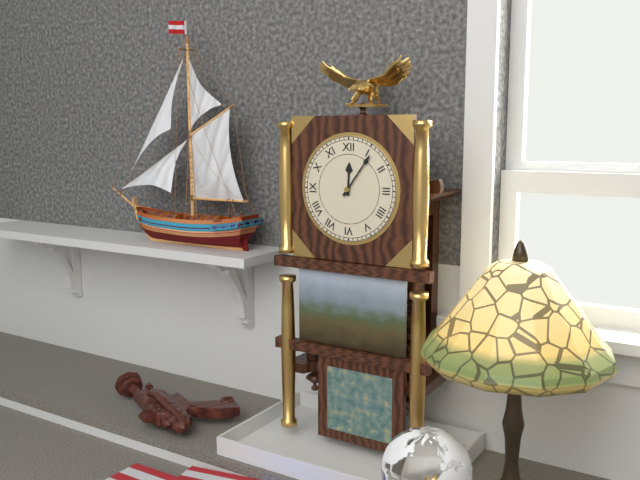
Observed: 12.06
